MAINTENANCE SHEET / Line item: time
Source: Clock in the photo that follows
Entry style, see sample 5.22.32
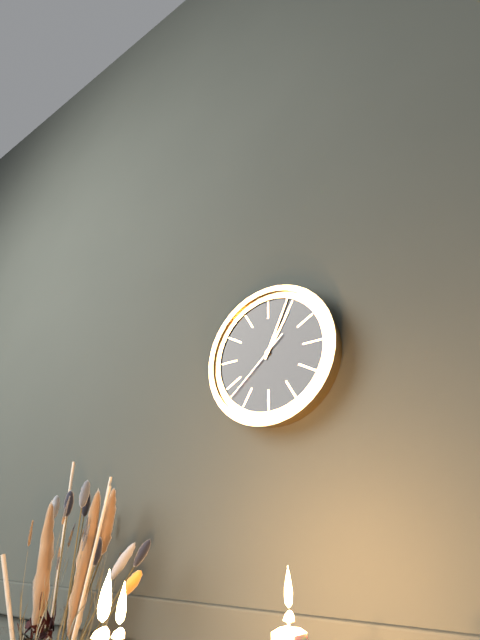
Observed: 1.04.38
